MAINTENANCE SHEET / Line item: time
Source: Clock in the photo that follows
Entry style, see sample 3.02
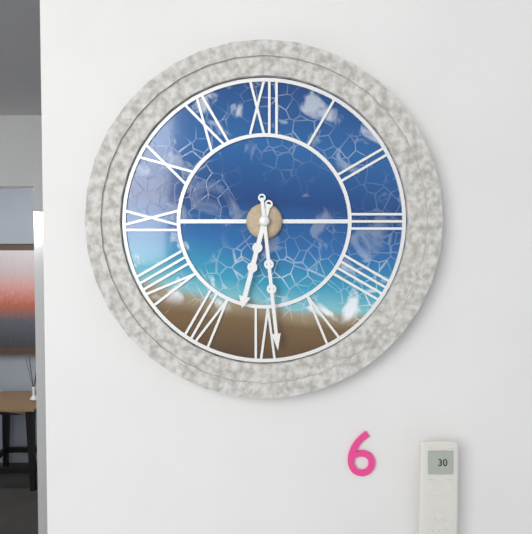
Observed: 6.29
